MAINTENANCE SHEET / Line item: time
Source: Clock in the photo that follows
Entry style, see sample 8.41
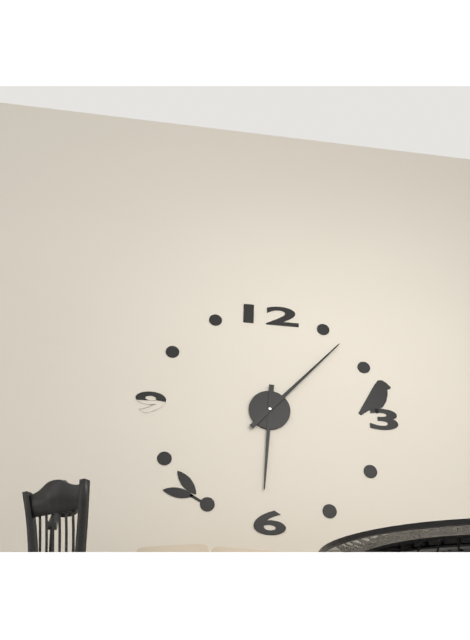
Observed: 6.07
